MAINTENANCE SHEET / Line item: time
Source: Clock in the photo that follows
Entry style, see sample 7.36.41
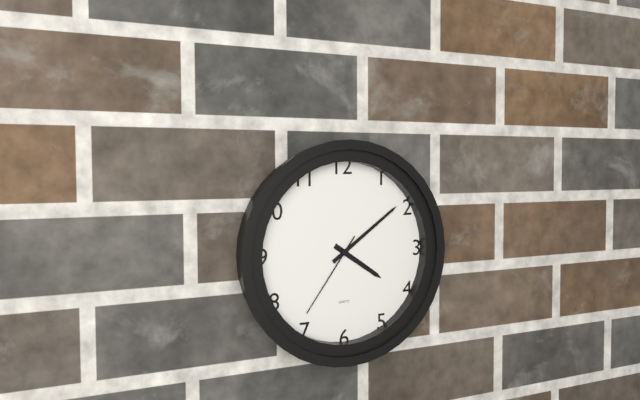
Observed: 4.09.36
